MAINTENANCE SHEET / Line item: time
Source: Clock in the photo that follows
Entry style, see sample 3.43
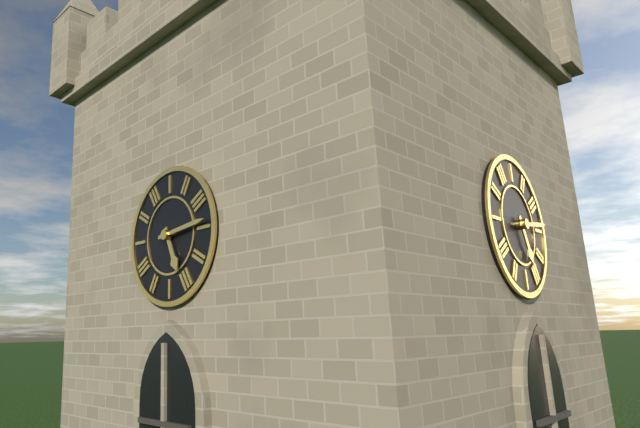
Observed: 5.14
